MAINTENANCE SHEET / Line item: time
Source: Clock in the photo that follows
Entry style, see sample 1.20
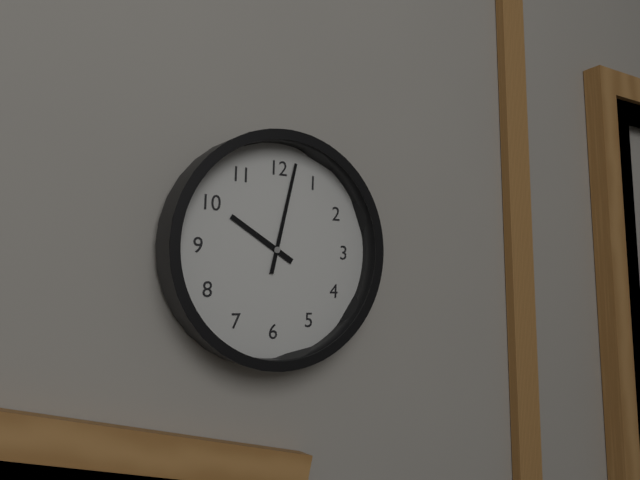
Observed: 10.02
